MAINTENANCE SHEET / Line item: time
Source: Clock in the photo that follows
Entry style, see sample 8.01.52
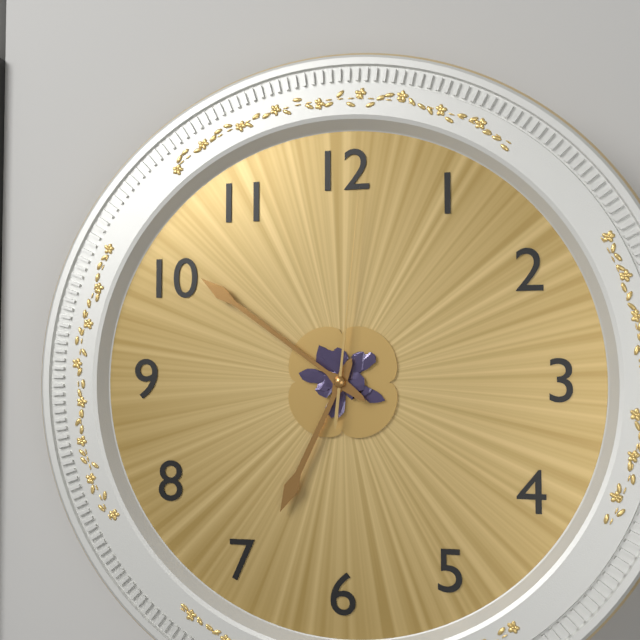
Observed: 6.51.01
